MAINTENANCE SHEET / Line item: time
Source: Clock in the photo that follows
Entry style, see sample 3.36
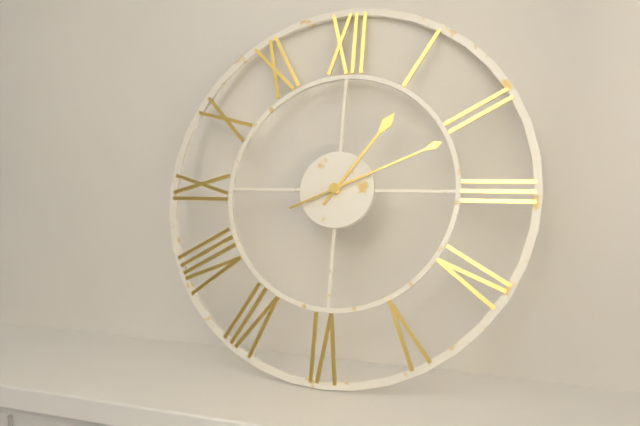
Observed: 1.11
